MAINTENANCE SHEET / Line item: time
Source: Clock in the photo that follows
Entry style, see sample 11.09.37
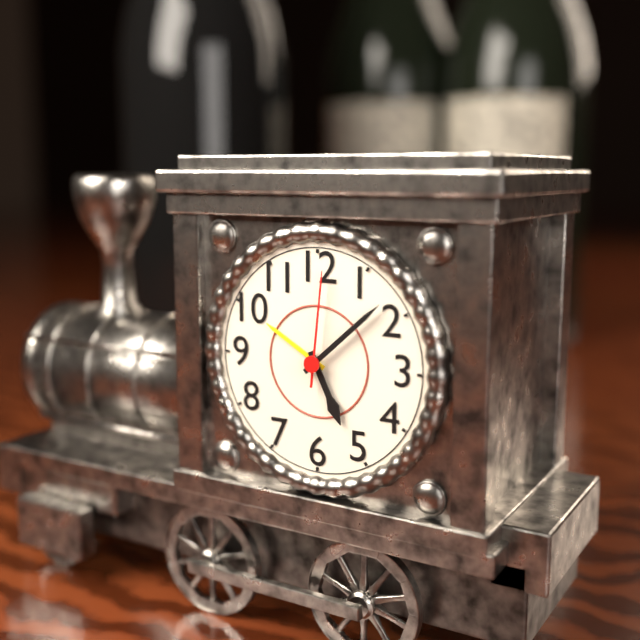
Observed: 5.08.01
